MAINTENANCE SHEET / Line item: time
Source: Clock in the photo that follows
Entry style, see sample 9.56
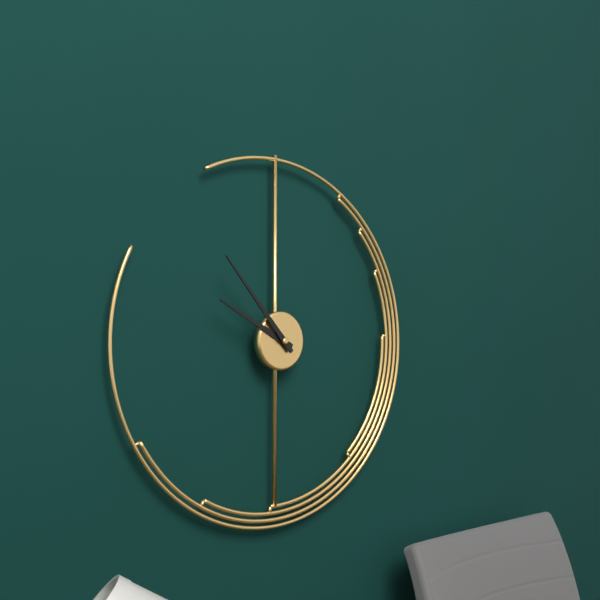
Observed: 9.53
